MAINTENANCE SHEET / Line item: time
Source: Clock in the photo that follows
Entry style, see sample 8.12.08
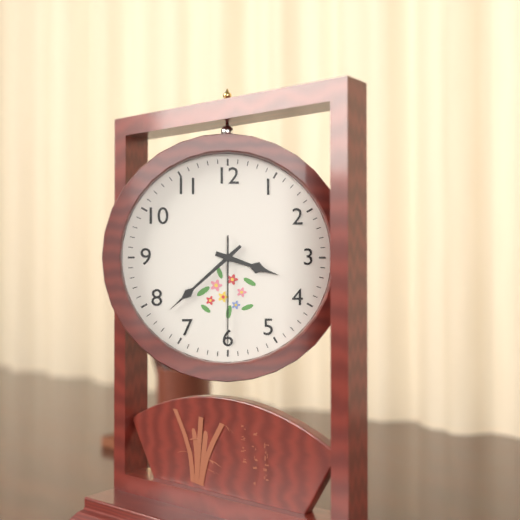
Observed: 3.38.30
